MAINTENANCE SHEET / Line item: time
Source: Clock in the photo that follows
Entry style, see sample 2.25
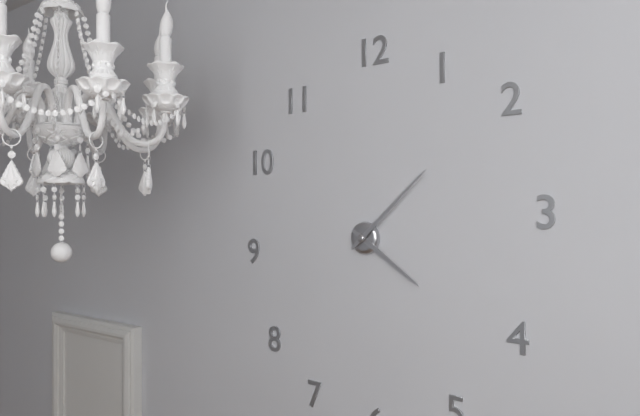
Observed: 4.08
